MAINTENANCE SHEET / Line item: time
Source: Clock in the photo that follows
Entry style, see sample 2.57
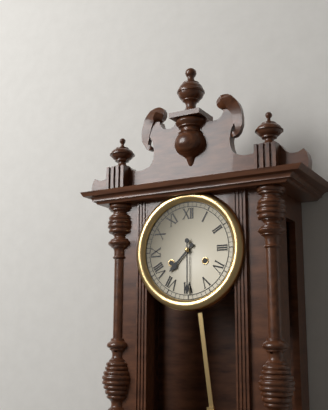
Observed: 7.30
